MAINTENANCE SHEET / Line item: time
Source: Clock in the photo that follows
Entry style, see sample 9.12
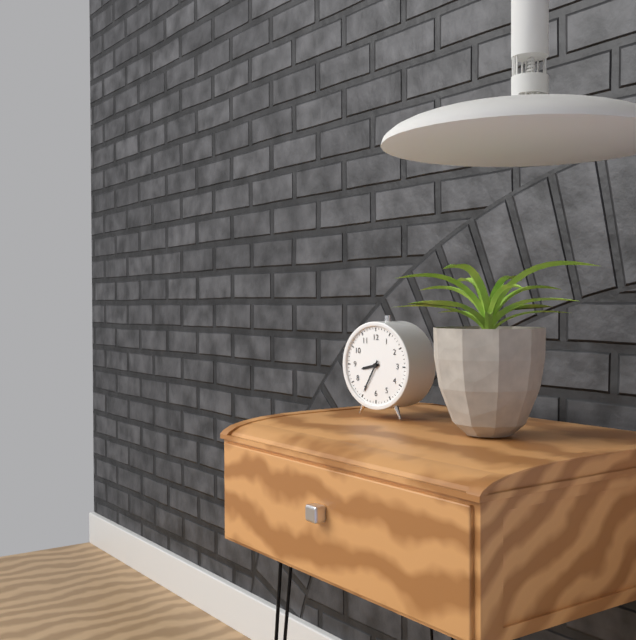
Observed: 8.35
